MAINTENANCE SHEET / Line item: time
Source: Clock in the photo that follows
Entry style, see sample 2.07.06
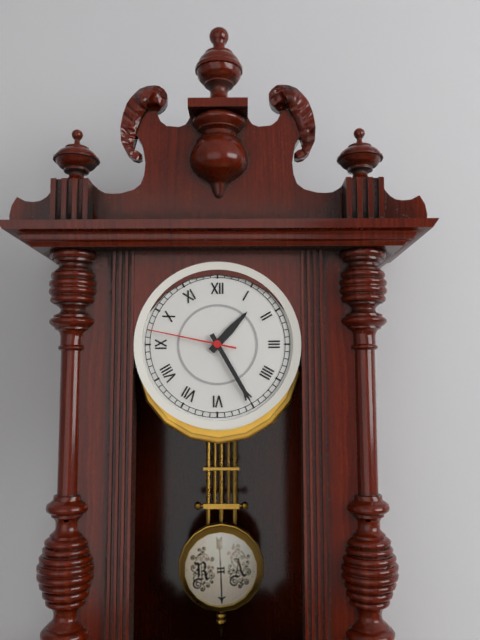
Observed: 1.25.47
